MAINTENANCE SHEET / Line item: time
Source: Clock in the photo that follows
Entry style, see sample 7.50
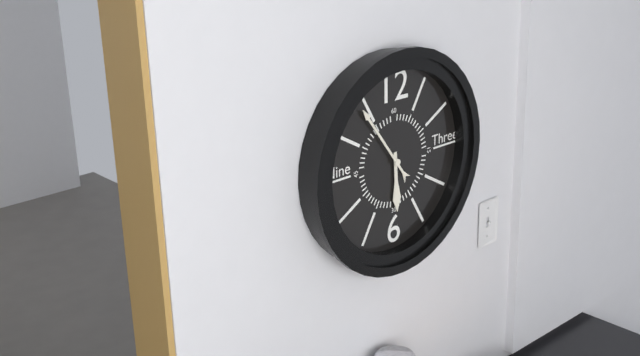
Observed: 5.54
